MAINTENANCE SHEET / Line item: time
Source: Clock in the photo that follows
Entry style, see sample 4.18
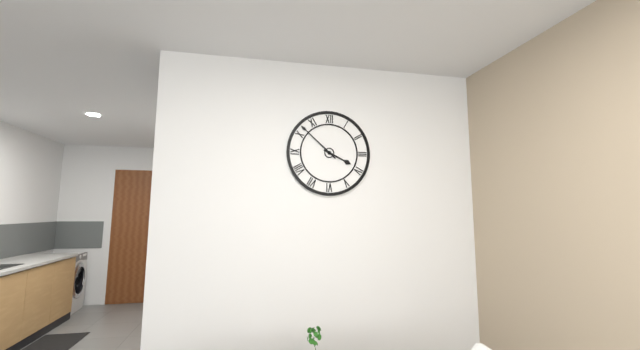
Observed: 3.52
